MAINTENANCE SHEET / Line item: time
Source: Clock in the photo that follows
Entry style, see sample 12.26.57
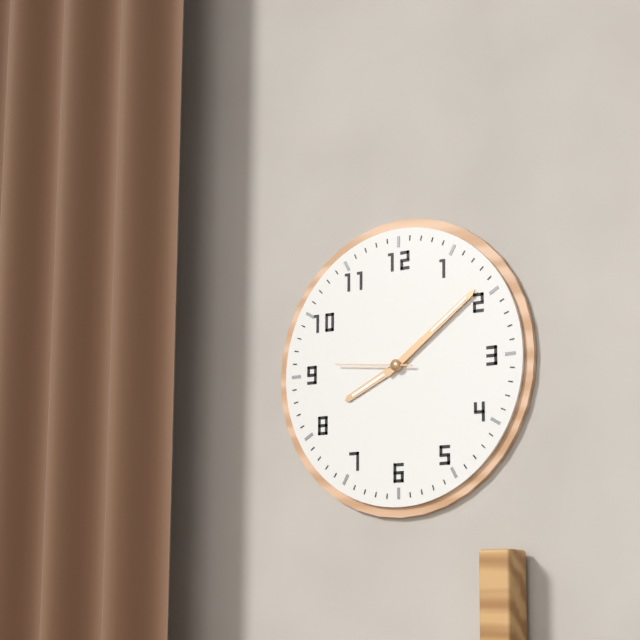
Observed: 8.09.46
